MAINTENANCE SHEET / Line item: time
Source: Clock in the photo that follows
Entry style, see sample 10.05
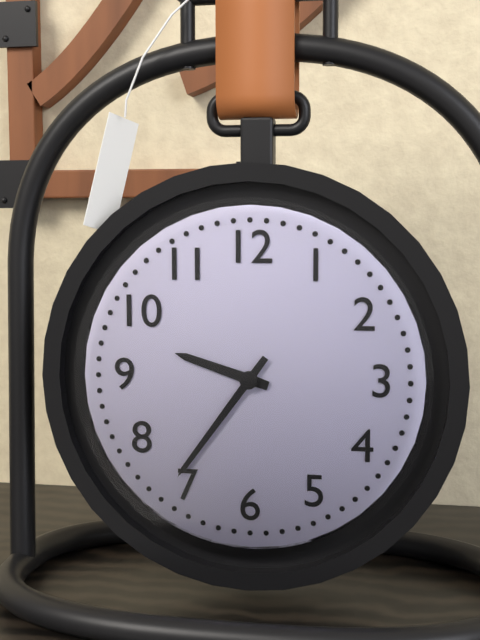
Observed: 9.36
